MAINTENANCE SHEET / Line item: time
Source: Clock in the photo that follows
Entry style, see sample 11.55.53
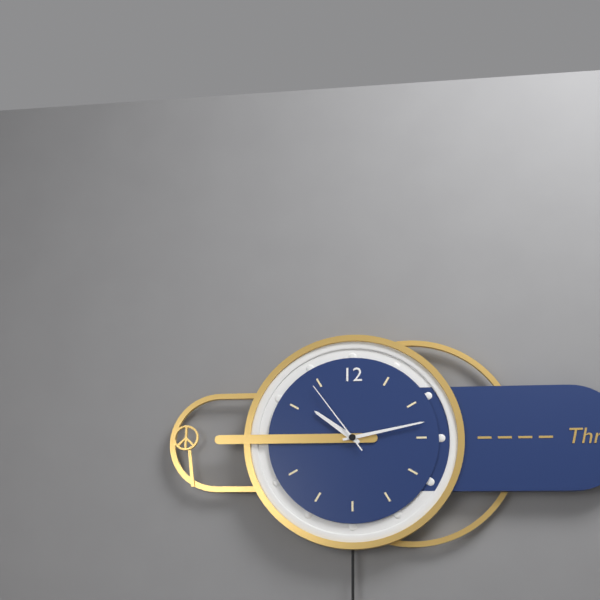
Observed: 10.13.54
